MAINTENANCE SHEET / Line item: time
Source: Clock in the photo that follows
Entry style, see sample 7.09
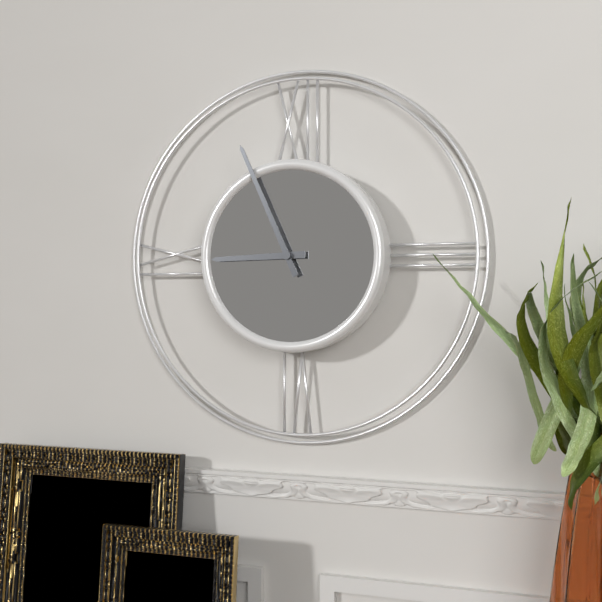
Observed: 8.56
